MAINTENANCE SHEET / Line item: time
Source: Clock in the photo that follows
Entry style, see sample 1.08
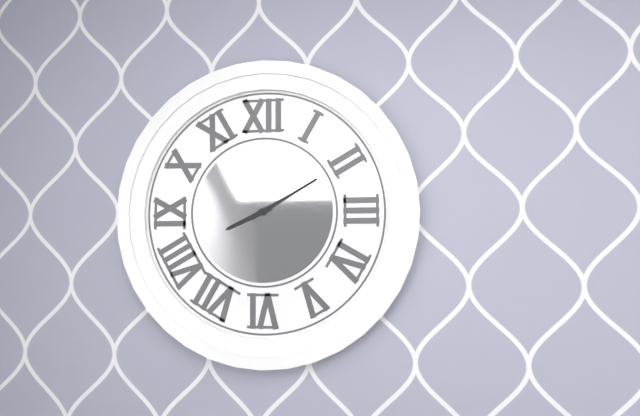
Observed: 8.10
